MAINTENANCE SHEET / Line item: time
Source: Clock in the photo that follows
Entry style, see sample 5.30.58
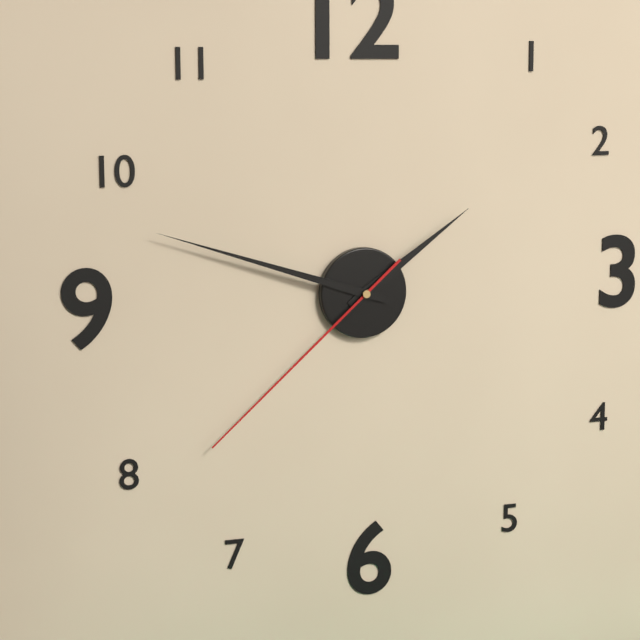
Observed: 1.48.38
